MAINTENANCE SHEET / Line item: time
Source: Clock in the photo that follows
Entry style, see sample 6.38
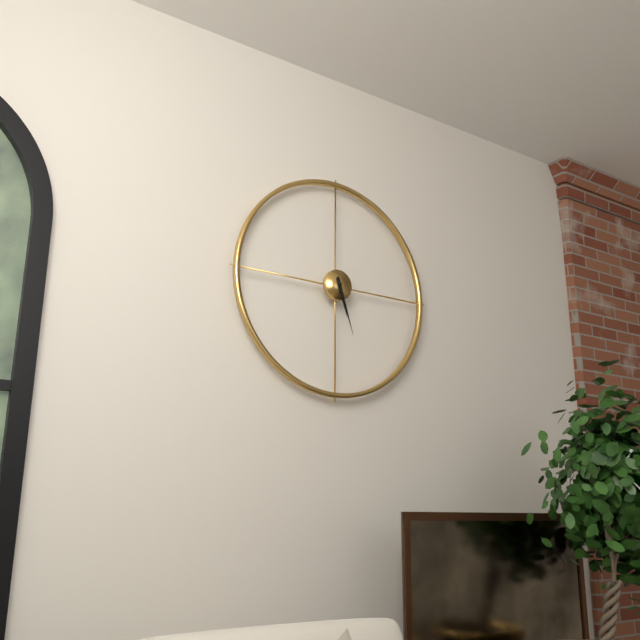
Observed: 5.27
